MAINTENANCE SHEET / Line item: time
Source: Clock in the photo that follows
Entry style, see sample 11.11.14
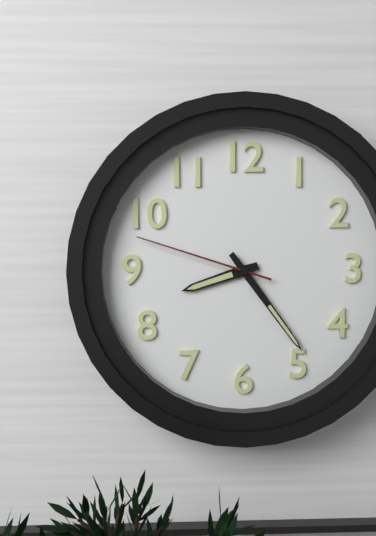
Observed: 8.24.48
